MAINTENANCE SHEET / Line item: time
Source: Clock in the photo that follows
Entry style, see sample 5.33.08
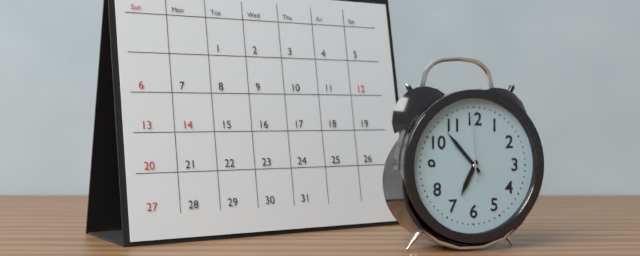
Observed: 6.53.59
